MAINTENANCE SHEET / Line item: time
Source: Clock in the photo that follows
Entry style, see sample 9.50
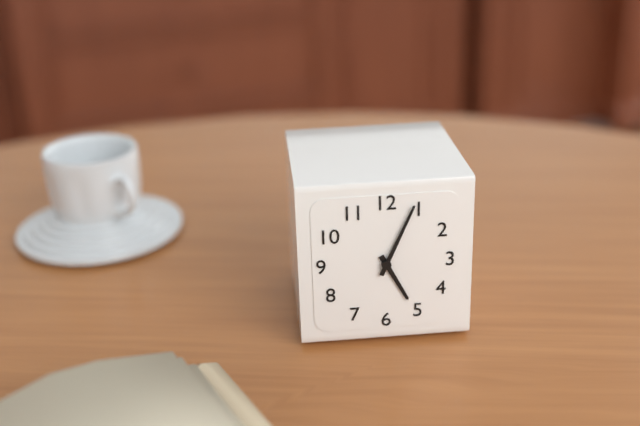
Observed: 5.04
